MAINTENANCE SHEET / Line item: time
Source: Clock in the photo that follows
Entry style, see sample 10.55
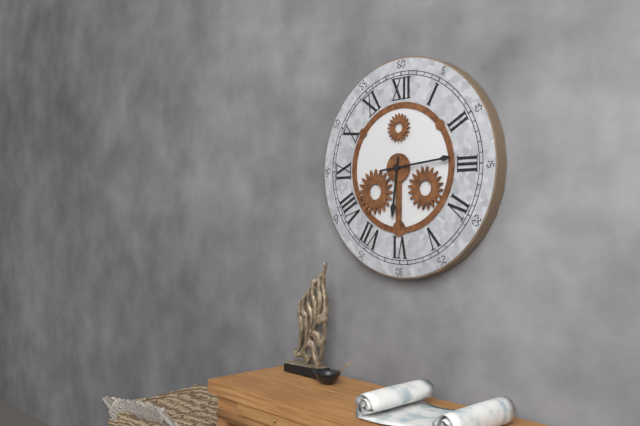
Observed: 6.14
